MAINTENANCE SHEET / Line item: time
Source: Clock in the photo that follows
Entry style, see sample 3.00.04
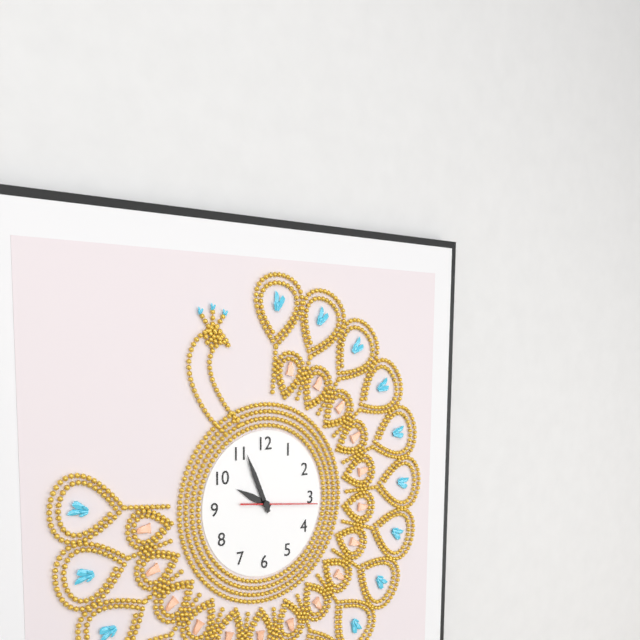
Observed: 9.56.16
